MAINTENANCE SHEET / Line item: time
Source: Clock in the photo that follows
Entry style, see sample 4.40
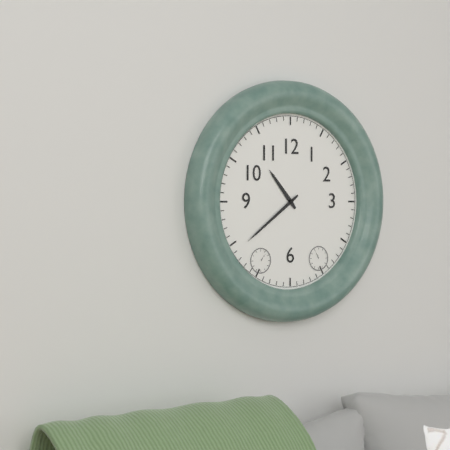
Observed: 10.39
